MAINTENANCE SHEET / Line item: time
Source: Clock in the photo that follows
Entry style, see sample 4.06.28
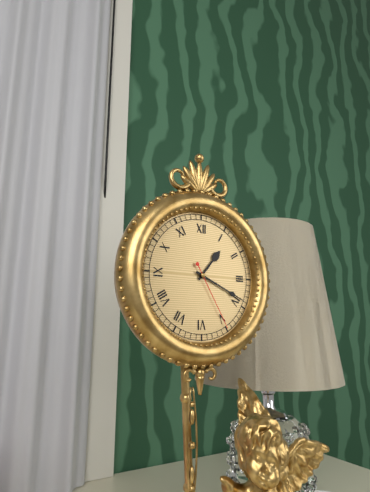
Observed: 1.19.25
